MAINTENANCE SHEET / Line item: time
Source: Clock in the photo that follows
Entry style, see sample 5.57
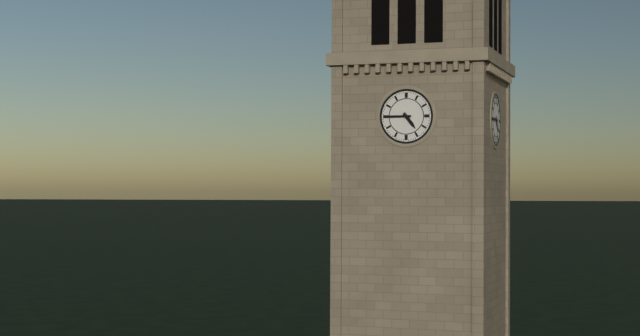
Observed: 4.45
